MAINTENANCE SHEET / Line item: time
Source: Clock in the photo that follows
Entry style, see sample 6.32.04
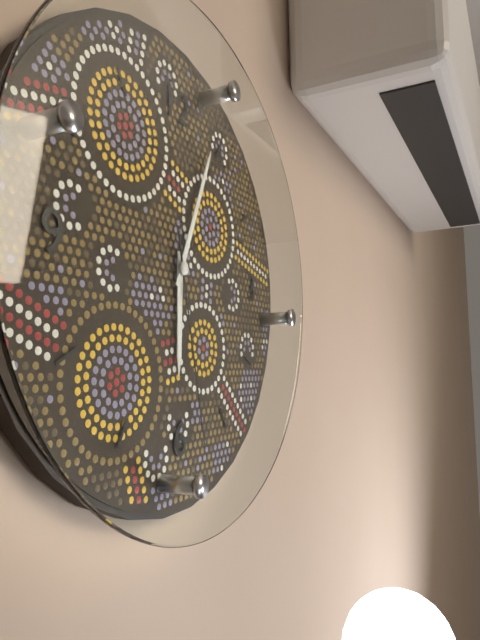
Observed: 6.04.28
